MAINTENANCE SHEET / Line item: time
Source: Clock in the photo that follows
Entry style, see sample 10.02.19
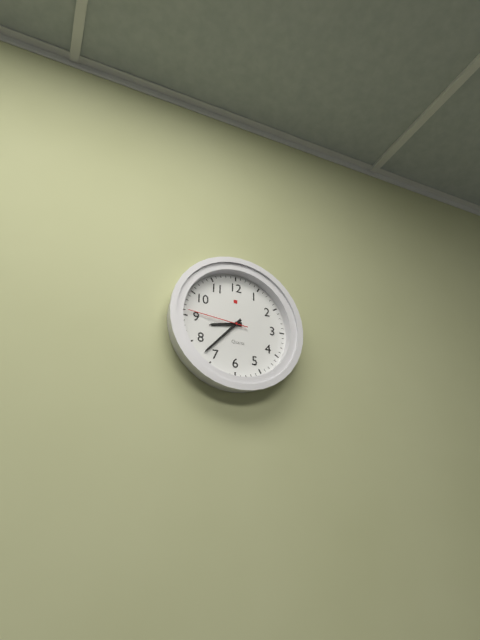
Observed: 8.37.46
